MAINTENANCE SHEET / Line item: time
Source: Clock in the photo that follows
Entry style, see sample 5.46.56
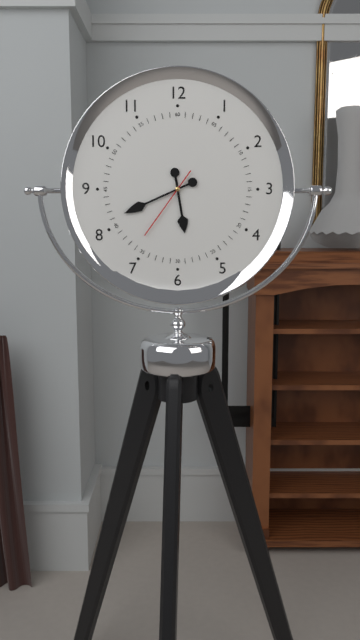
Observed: 5.41.36
